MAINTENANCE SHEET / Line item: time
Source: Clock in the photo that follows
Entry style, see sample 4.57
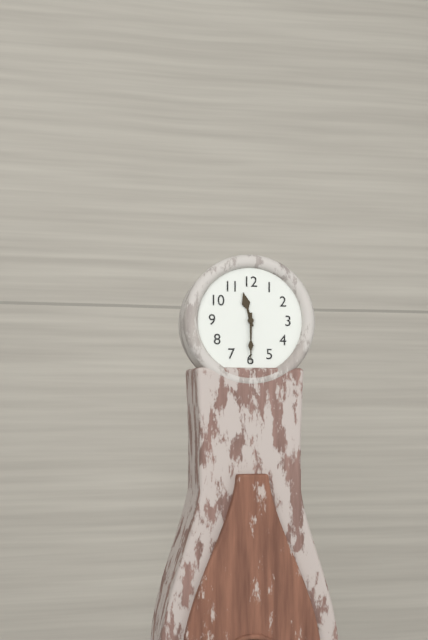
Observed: 11.30
